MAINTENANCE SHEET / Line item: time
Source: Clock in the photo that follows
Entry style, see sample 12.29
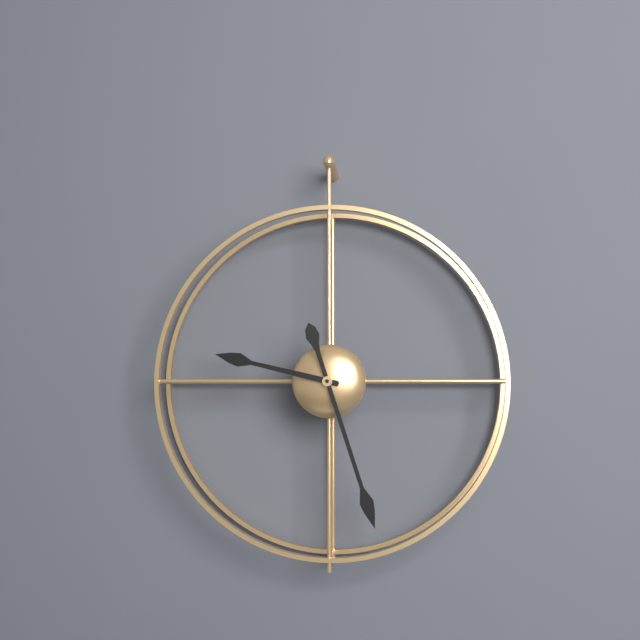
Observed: 9.27
